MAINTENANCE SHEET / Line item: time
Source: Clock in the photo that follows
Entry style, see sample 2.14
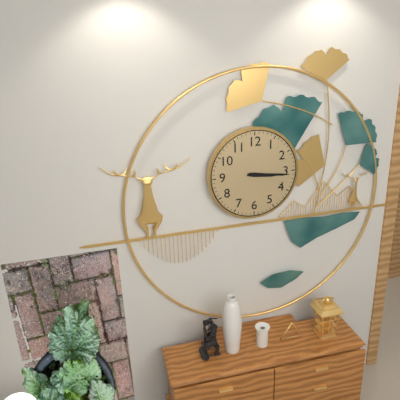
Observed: 3.16
